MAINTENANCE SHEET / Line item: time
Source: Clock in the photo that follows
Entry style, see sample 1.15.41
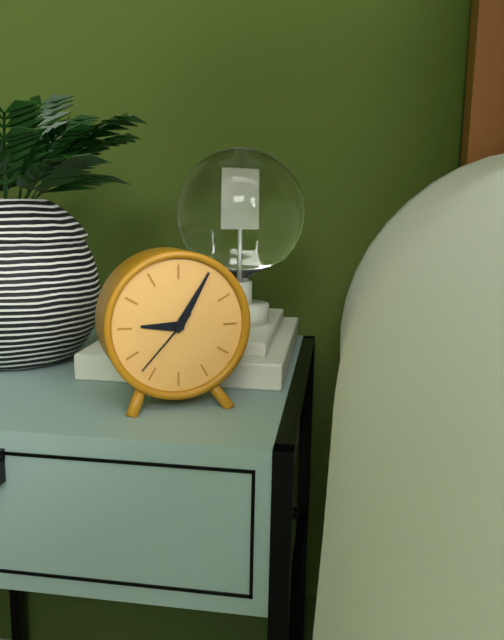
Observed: 9.05.37
